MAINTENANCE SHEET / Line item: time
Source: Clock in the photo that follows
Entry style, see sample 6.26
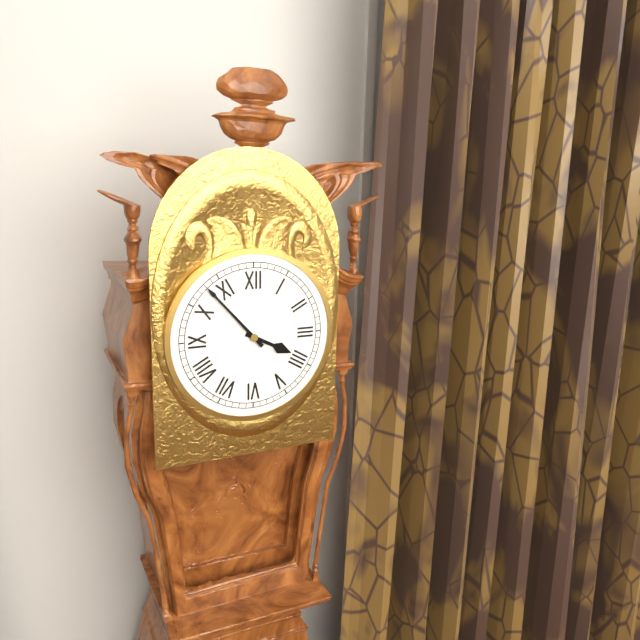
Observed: 3.53
